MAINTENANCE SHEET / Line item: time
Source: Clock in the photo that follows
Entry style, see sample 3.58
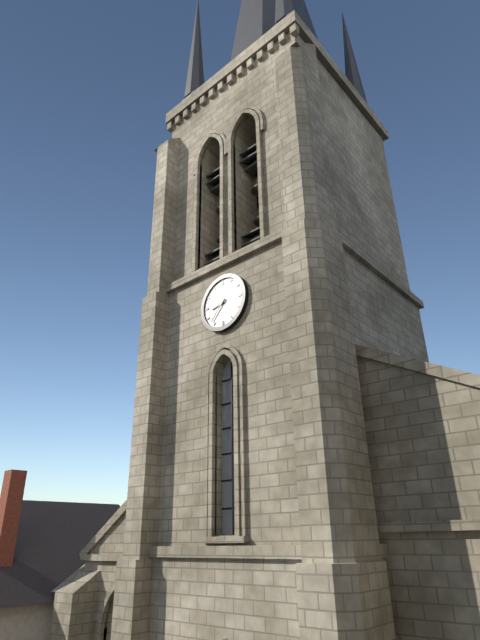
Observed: 8.37
